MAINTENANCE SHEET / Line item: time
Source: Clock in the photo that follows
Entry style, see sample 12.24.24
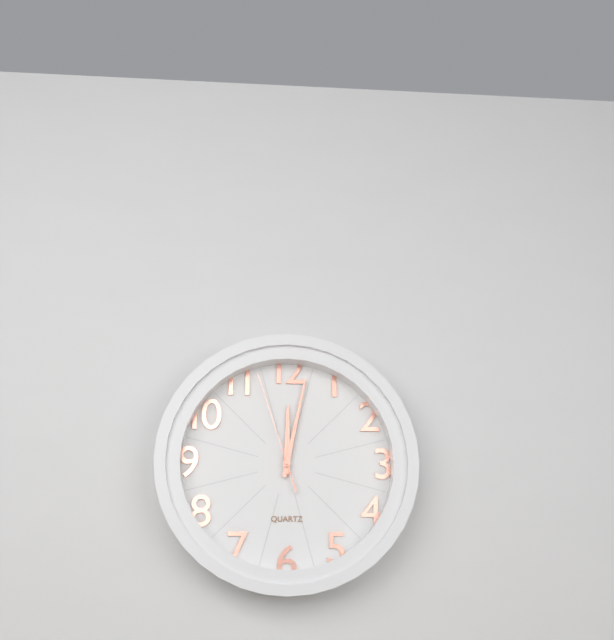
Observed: 12.02.57
